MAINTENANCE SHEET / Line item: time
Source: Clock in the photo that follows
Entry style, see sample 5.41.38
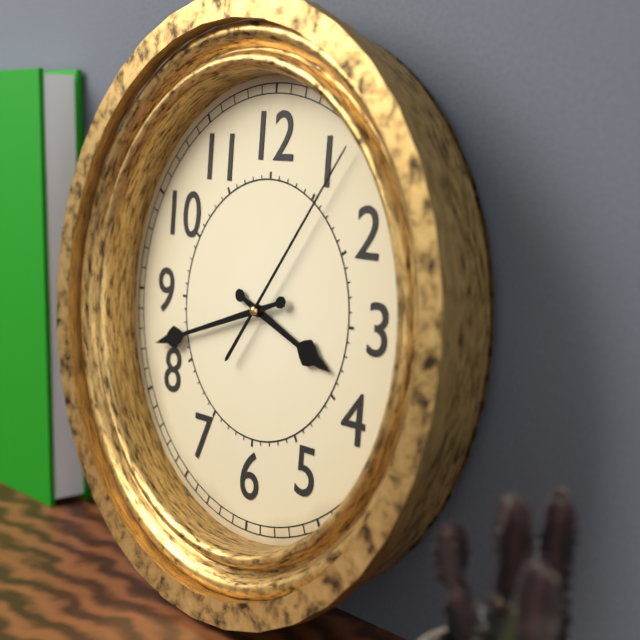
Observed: 3.42.06
